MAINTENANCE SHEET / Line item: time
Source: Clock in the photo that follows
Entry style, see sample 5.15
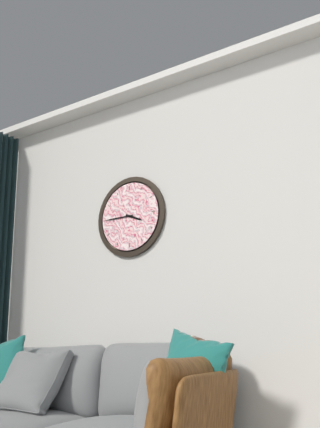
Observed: 3.45
